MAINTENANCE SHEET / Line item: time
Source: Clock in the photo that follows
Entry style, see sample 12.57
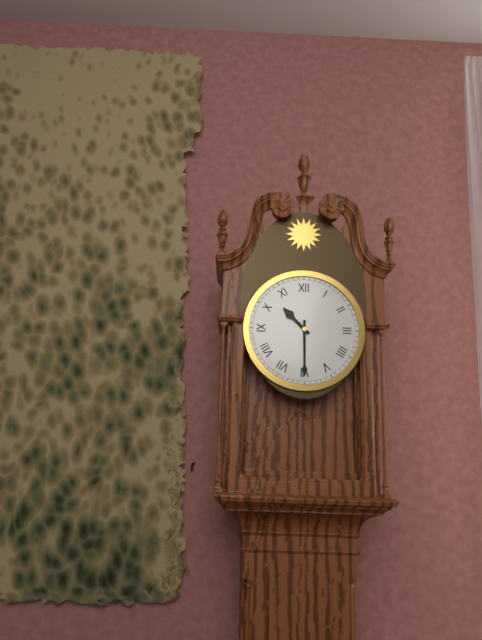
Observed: 10.30
